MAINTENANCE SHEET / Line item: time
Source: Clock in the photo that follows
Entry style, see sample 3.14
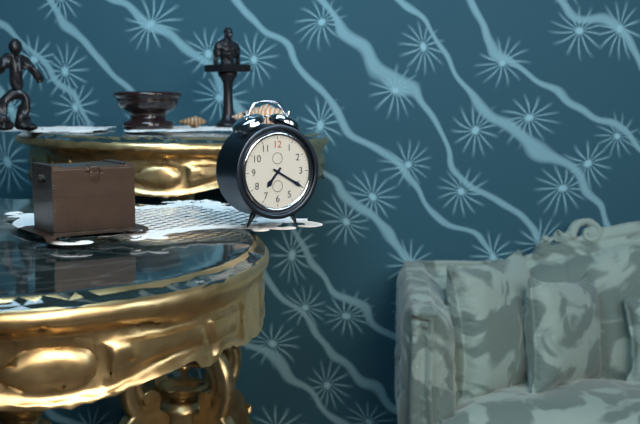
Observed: 7.20
